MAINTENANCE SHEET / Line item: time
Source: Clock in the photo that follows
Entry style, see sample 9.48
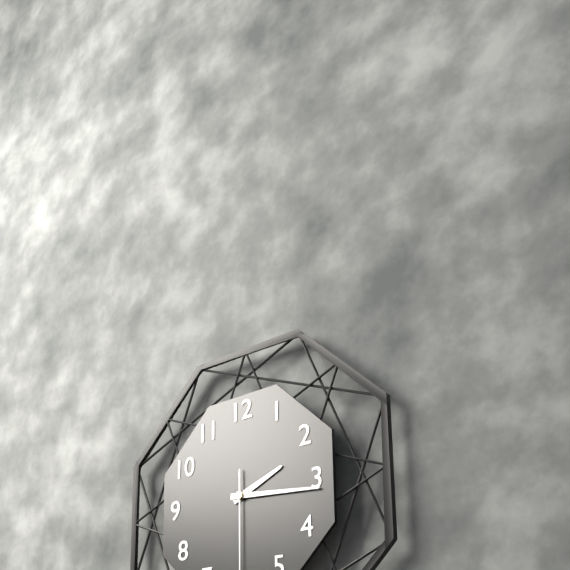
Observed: 2.16
